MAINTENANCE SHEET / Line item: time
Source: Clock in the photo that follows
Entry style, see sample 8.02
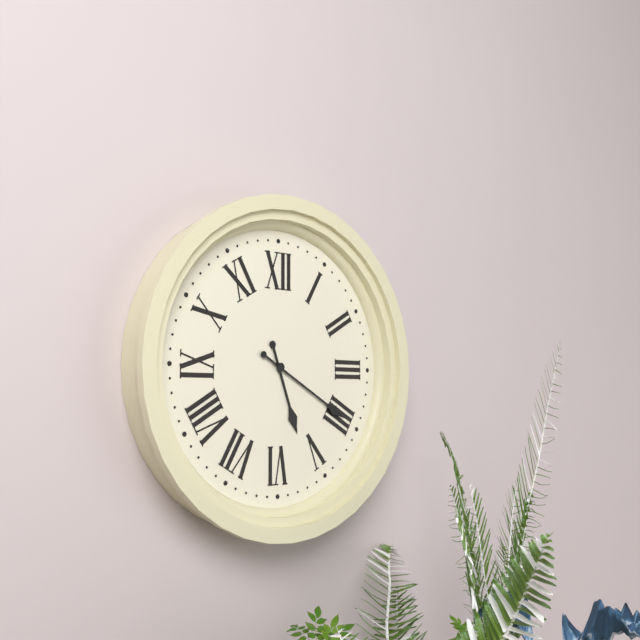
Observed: 5.20
